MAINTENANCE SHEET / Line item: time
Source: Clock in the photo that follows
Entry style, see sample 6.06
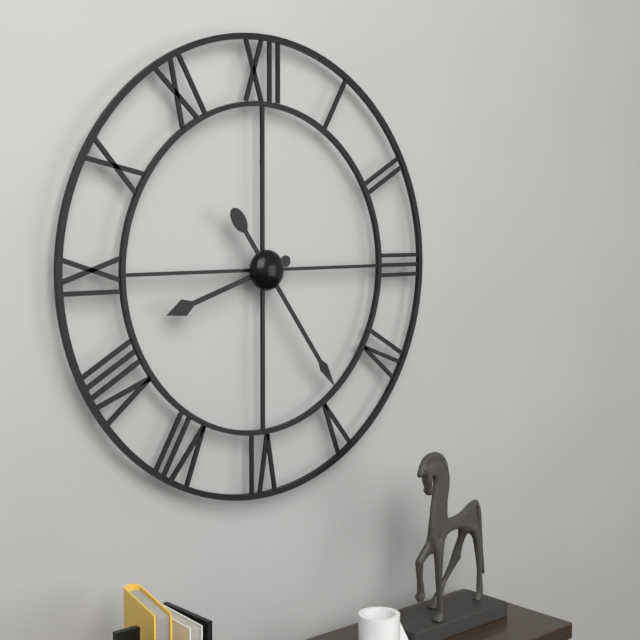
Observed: 8.24
